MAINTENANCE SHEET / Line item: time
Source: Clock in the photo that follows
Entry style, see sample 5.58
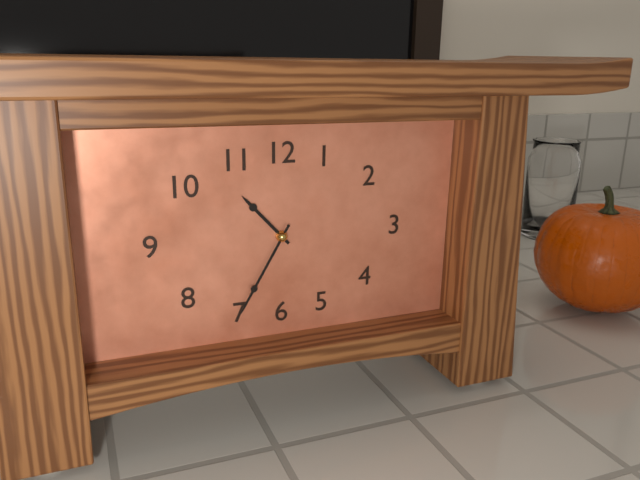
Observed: 10.35
